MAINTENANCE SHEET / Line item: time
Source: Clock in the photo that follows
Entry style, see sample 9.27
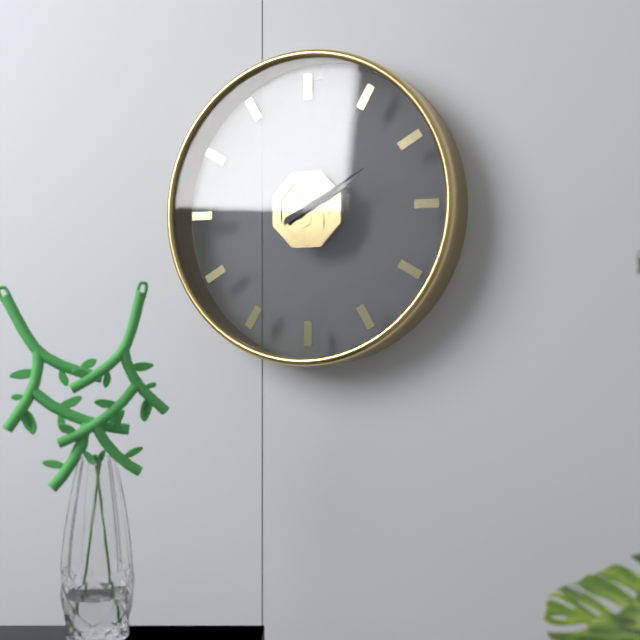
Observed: 2.10
